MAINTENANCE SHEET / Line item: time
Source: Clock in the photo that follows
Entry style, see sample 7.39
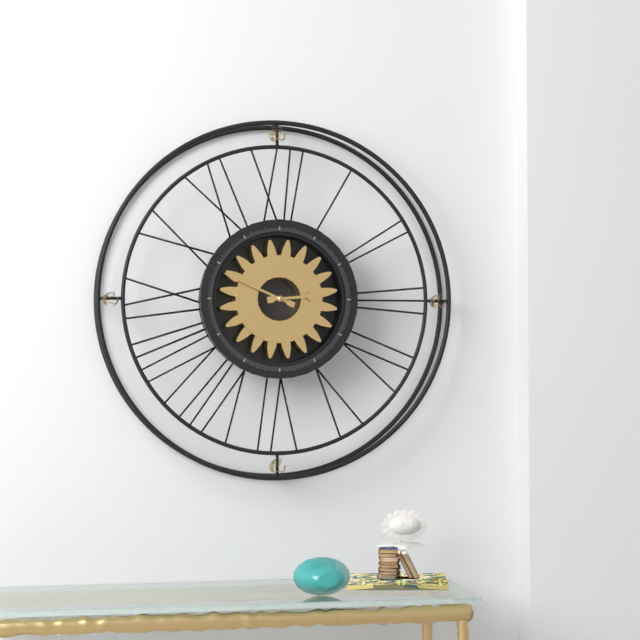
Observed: 2.49
